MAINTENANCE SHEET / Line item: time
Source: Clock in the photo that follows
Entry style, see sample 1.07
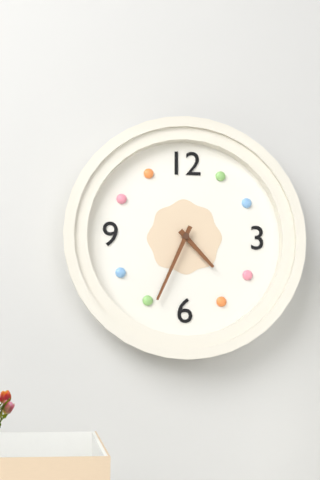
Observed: 4.34
